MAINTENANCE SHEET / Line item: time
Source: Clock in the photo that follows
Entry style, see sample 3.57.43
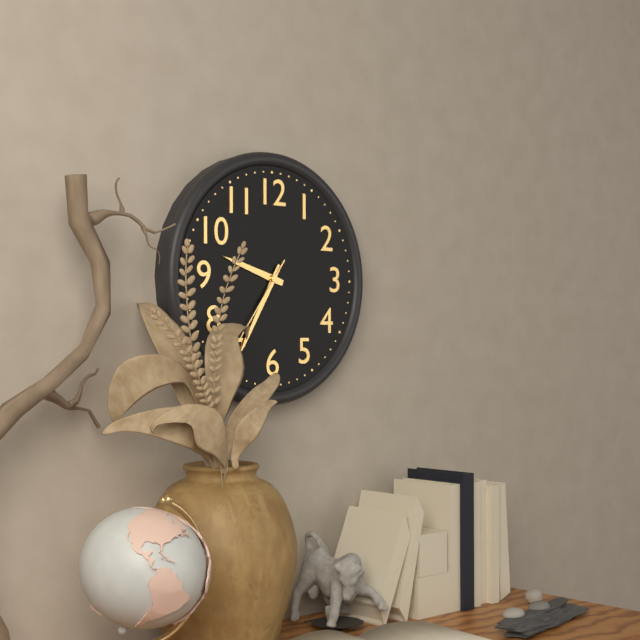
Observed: 9.35.36
